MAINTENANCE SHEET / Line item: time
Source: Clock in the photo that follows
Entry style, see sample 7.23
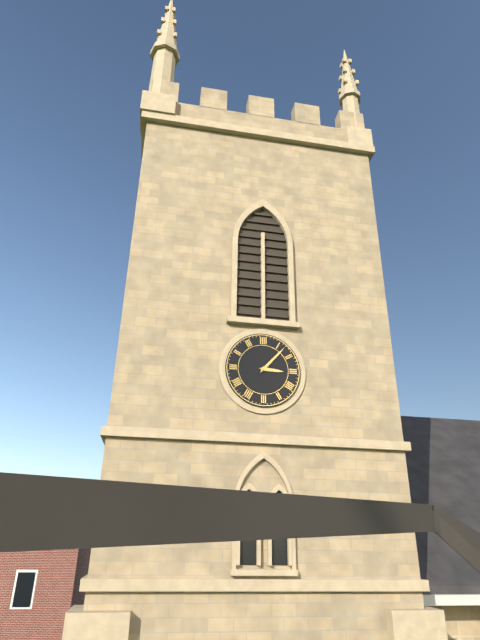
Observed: 3.07
